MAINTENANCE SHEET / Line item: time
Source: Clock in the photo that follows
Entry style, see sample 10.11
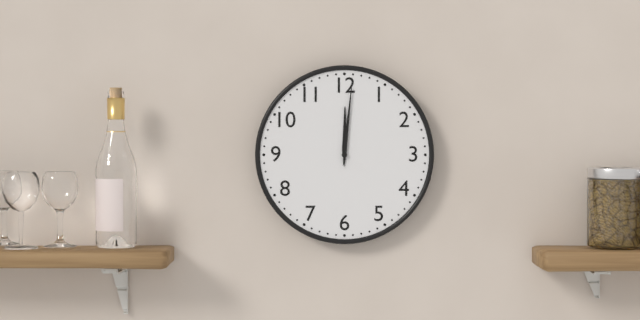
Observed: 12.01
